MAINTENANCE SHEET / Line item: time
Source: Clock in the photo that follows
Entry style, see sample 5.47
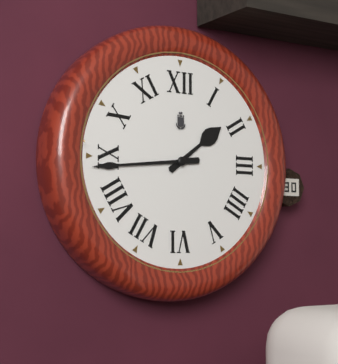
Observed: 1.44
